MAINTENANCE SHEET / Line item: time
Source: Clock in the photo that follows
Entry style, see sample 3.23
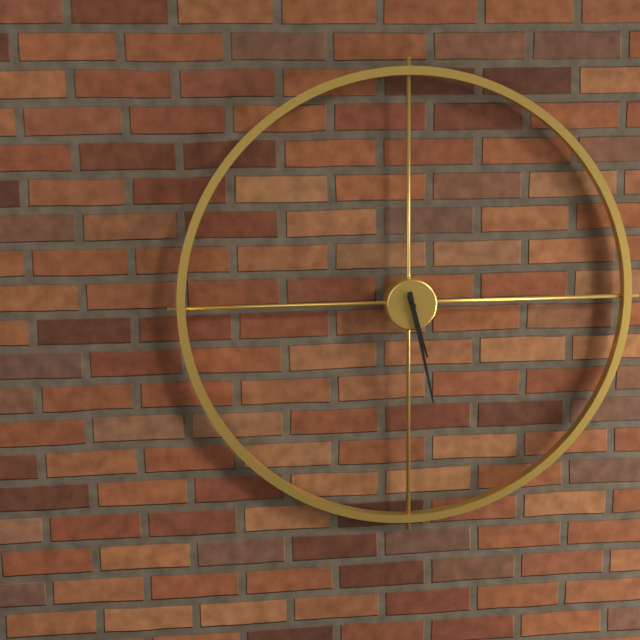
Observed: 5.28
